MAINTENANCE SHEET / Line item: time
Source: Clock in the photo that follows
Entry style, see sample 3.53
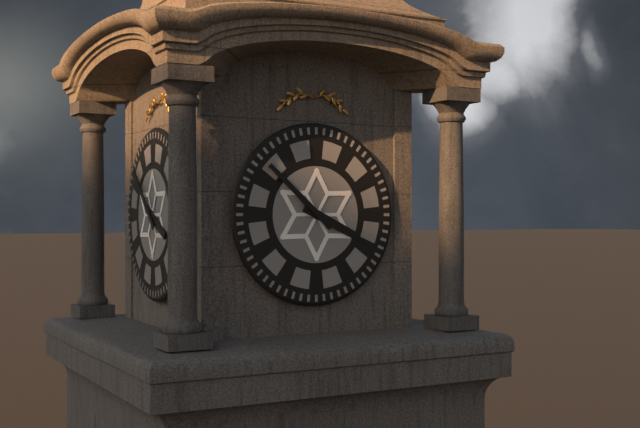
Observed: 3.52
